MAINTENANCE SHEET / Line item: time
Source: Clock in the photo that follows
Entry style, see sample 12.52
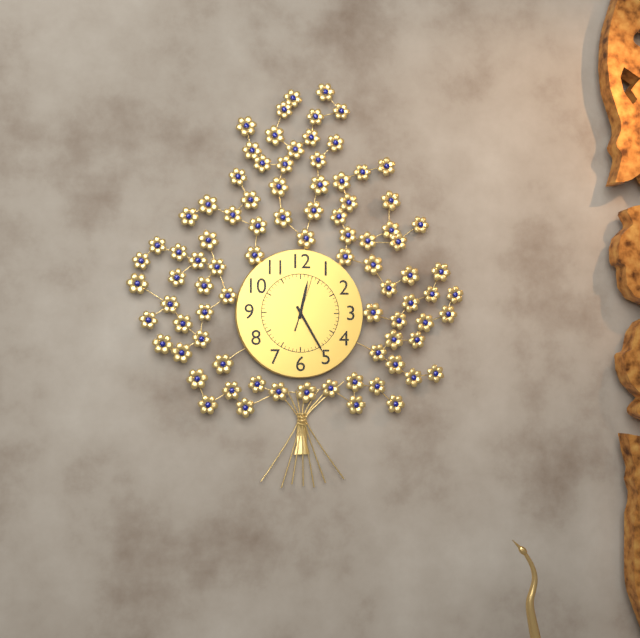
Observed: 12.25
